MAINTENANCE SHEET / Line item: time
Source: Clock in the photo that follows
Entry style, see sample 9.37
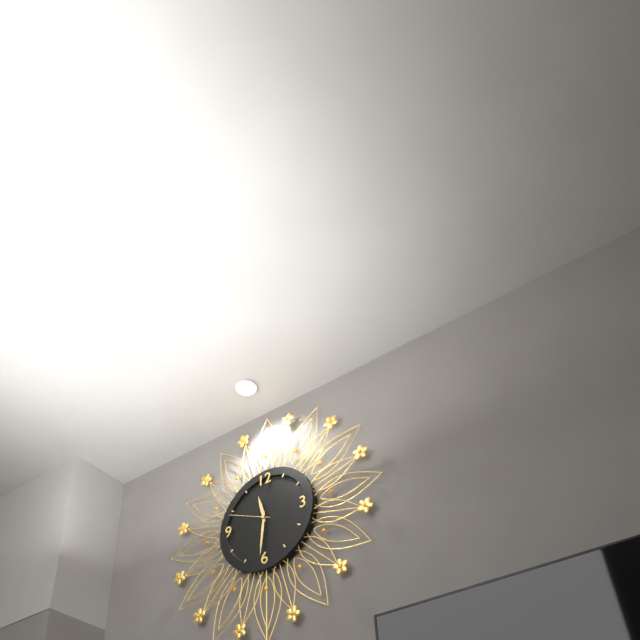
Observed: 11.31
